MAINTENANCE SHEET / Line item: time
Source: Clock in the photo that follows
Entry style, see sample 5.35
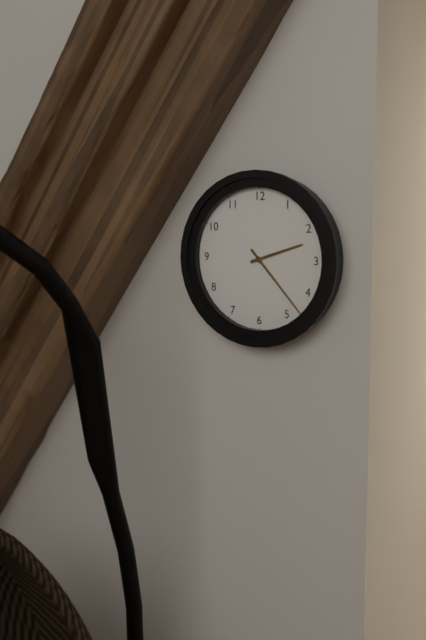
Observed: 2.23
